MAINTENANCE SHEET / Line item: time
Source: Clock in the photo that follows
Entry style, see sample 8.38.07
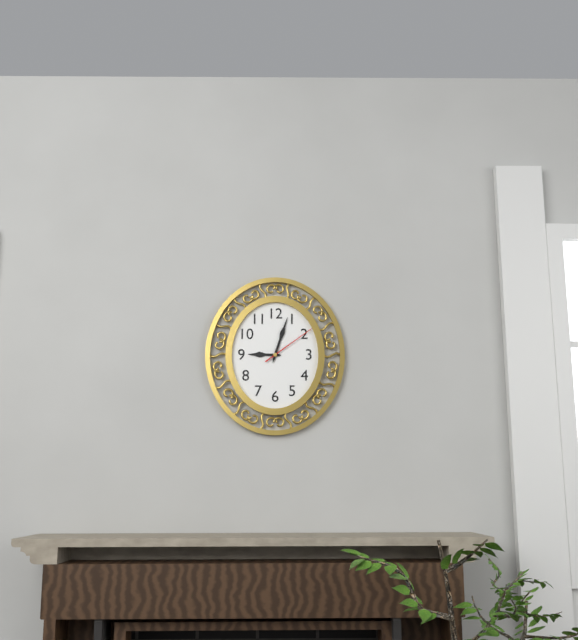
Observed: 9.03.09
